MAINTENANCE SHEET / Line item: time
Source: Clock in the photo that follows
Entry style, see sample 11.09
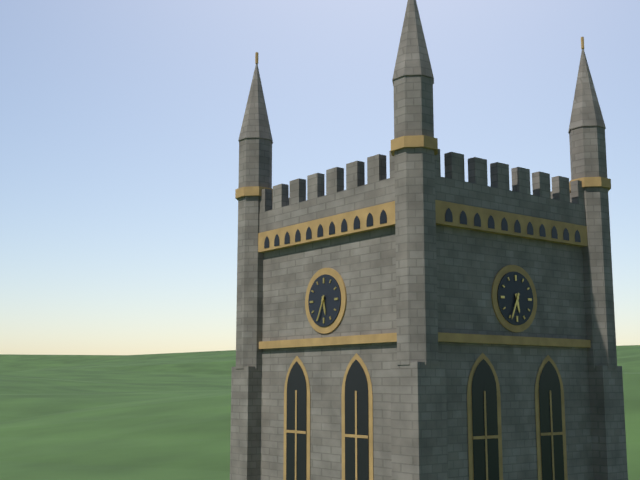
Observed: 5.34
